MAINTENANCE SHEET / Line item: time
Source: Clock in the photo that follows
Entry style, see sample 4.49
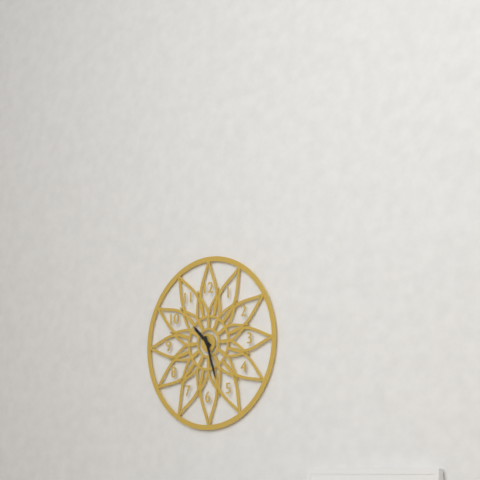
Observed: 10.27
